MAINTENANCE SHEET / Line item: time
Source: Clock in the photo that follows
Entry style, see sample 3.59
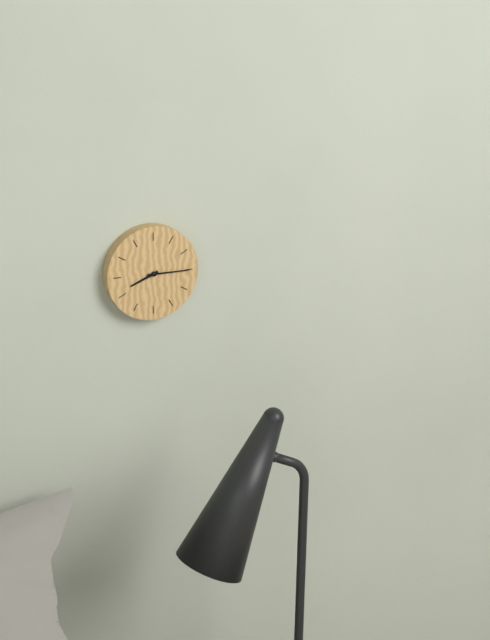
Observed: 8.15
